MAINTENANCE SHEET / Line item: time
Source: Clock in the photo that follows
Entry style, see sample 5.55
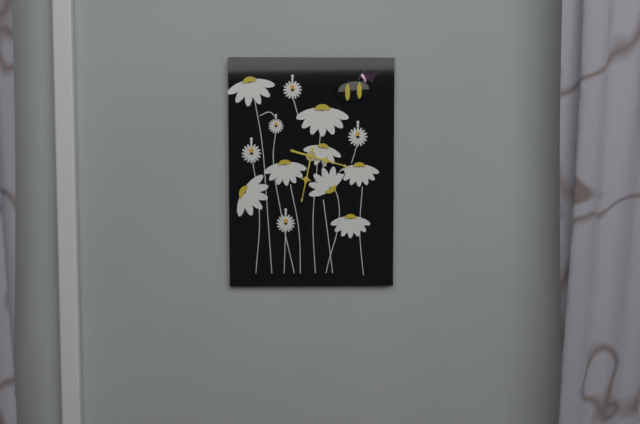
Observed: 3.32
